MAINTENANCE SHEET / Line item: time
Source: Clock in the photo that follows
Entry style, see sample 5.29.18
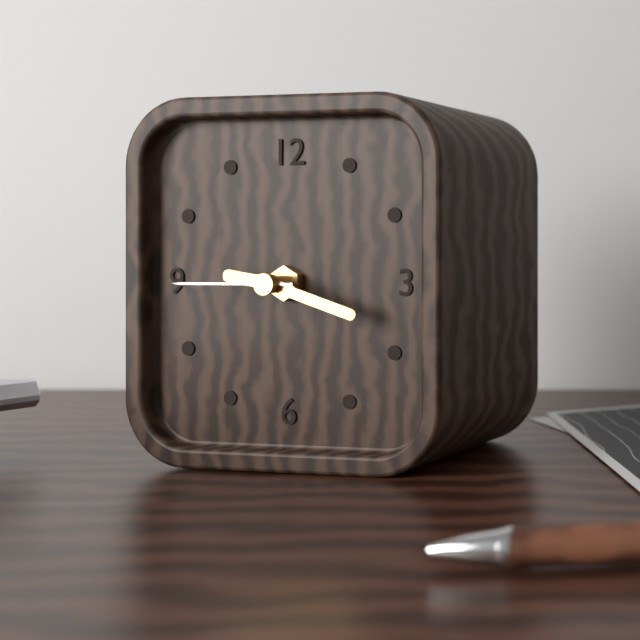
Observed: 9.18.45
